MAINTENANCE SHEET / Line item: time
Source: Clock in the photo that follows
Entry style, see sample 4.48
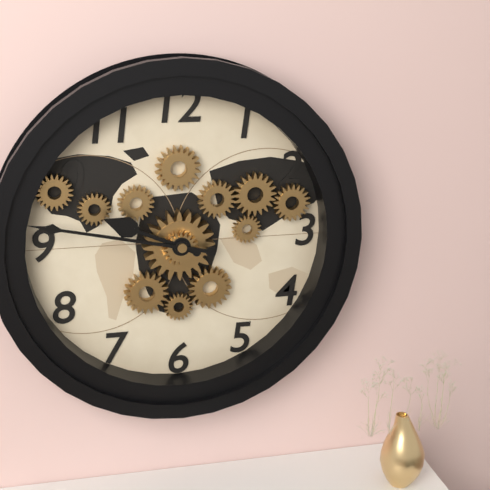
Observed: 9.47
